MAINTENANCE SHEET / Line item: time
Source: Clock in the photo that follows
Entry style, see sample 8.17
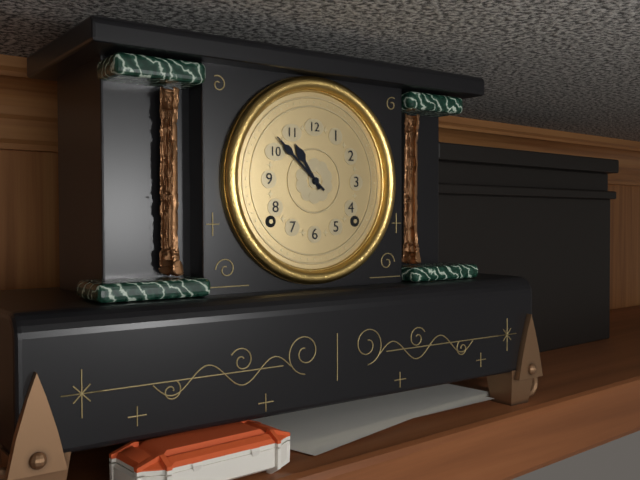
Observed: 10.52
